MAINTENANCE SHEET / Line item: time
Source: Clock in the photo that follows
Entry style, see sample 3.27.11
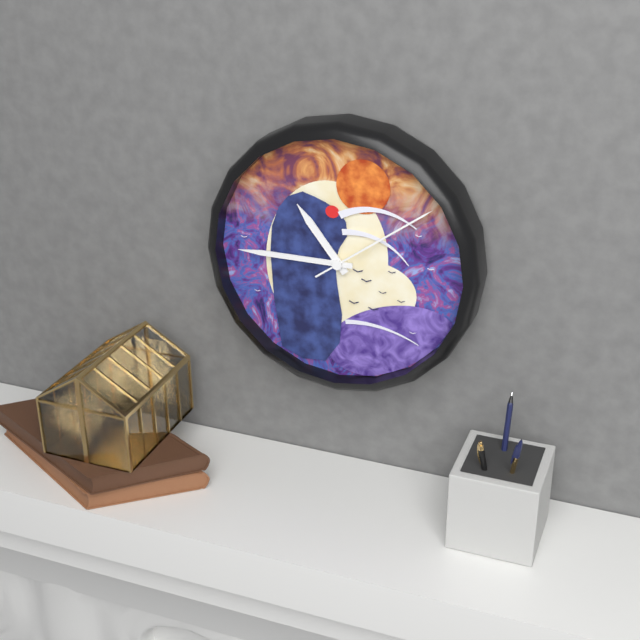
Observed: 10.45.09
